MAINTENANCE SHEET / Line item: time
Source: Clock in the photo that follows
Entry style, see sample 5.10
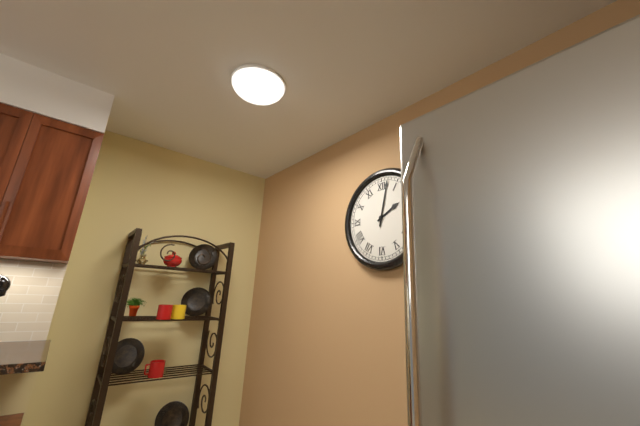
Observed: 2.02
